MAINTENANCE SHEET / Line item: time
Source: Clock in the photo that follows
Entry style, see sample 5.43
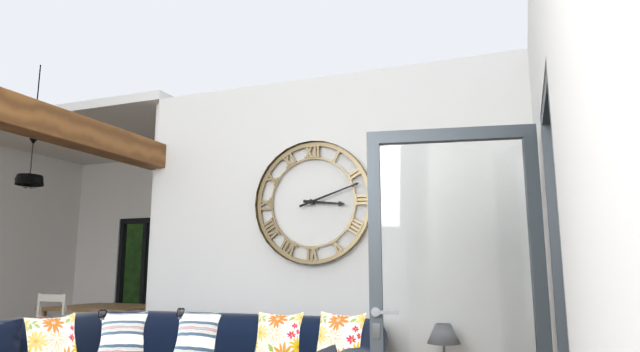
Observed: 3.12
